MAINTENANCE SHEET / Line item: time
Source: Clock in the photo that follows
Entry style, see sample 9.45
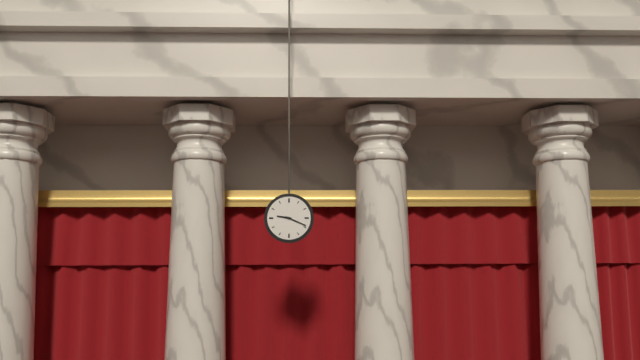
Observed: 9.19
